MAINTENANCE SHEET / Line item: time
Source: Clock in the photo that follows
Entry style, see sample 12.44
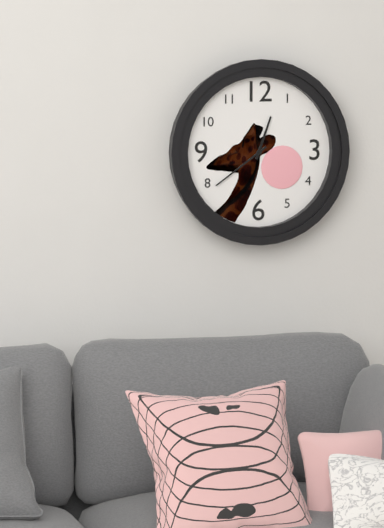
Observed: 12.39
